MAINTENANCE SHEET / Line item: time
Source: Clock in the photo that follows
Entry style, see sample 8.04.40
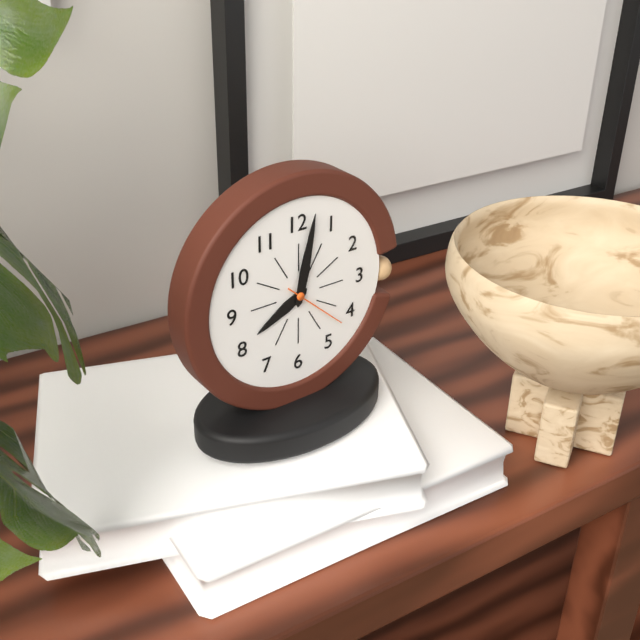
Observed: 8.02.22
